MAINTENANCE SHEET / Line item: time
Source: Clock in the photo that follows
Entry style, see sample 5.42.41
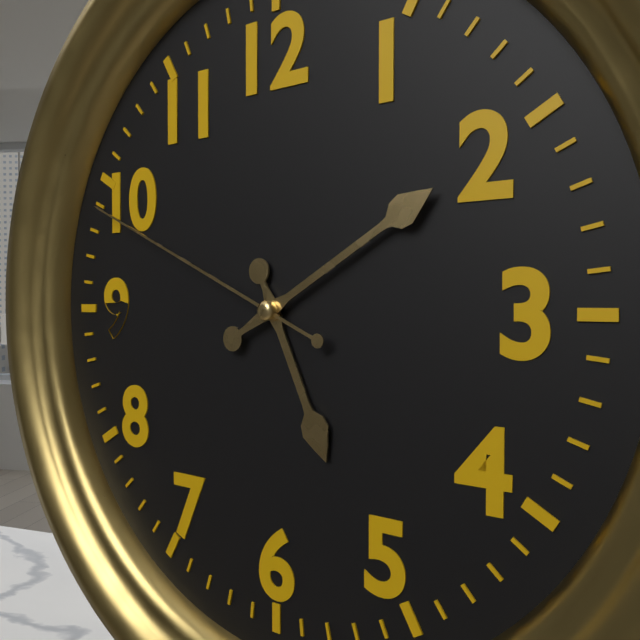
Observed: 5.10.49
